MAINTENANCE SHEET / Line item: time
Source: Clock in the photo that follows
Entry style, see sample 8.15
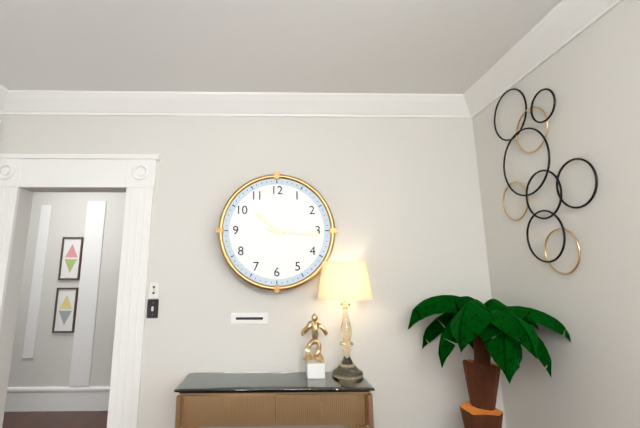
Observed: 10.16
